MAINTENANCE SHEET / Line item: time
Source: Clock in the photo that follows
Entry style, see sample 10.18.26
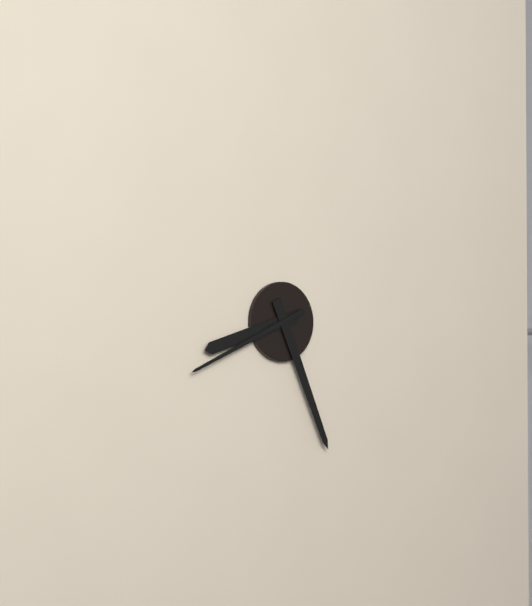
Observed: 8.26.41
